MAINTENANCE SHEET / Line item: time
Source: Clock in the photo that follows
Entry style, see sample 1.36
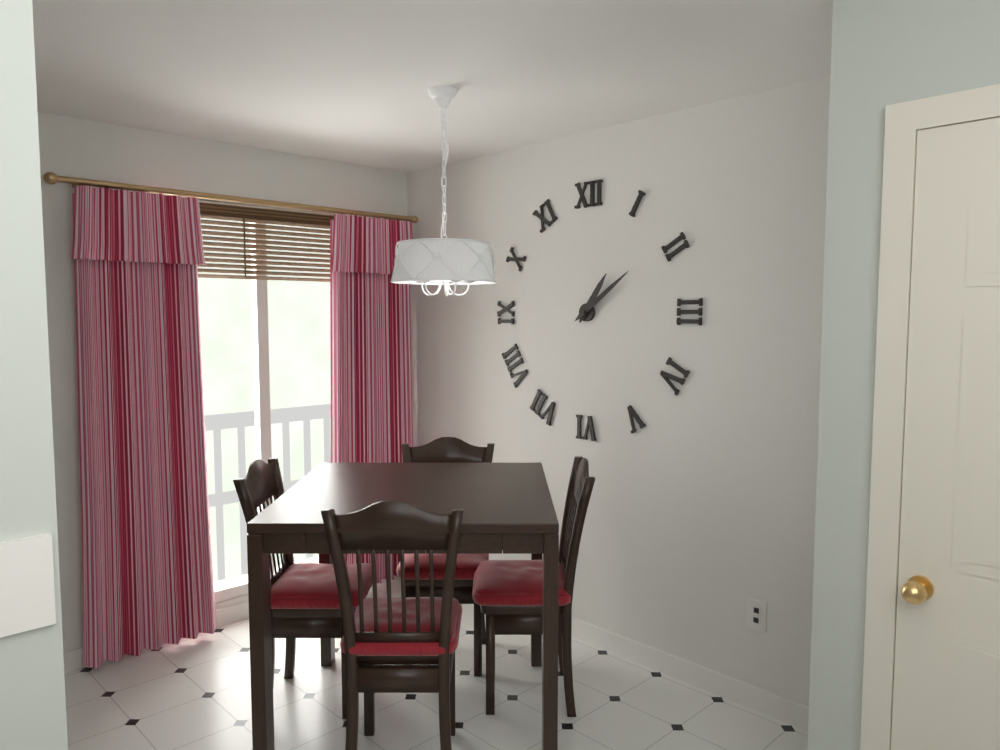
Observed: 1.09
